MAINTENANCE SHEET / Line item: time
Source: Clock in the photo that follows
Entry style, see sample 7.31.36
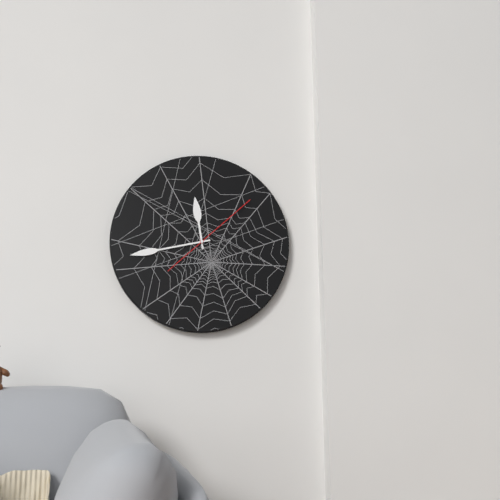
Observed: 11.43.08
